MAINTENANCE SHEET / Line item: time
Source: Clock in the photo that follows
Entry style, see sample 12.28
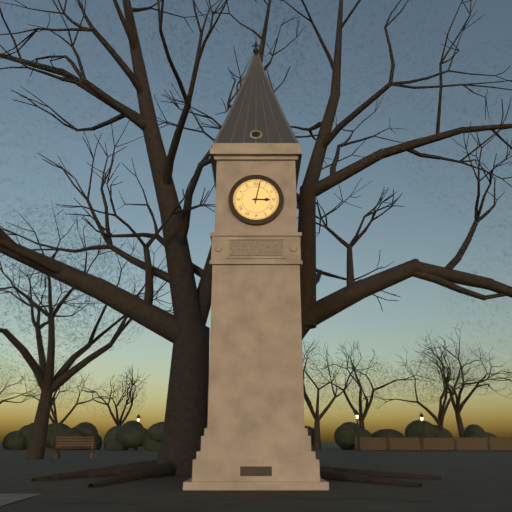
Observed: 3.02
